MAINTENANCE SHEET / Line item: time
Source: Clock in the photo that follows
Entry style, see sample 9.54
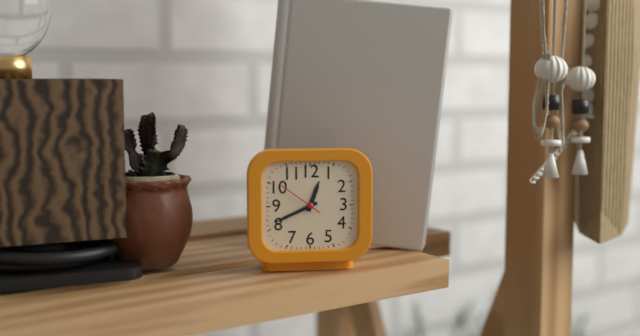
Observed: 12.41
